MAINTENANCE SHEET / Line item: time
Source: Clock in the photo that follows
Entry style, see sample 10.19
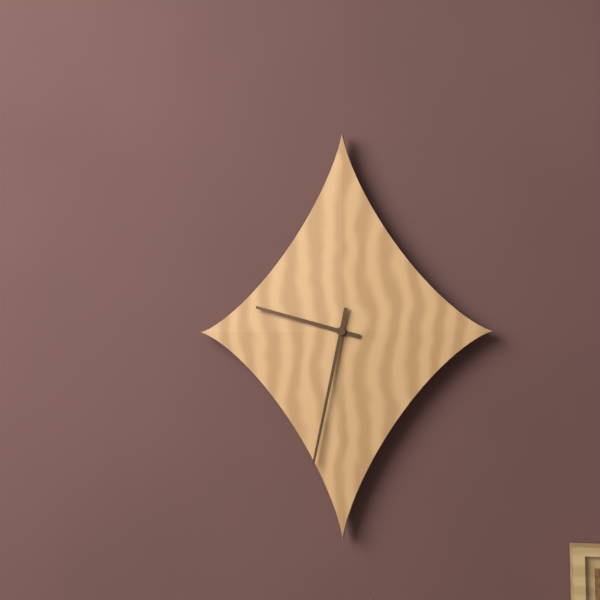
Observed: 9.32
